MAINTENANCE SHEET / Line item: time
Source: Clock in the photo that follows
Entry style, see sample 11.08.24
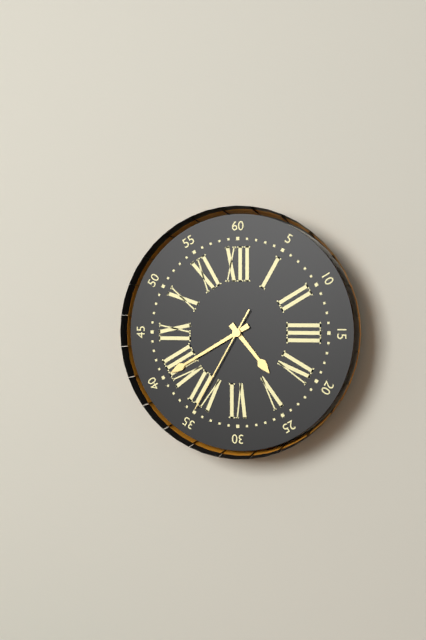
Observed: 4.40.35
